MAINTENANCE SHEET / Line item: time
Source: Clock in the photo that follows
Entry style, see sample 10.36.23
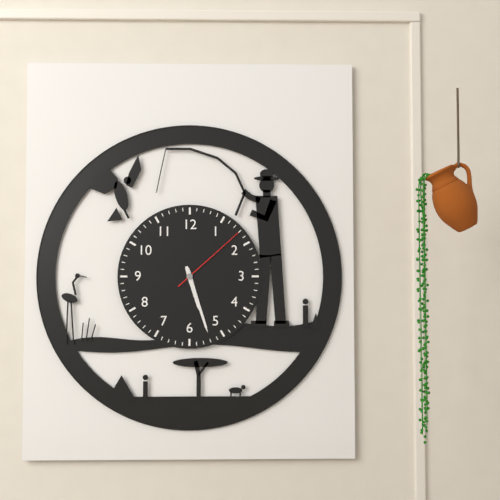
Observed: 5.27.08
